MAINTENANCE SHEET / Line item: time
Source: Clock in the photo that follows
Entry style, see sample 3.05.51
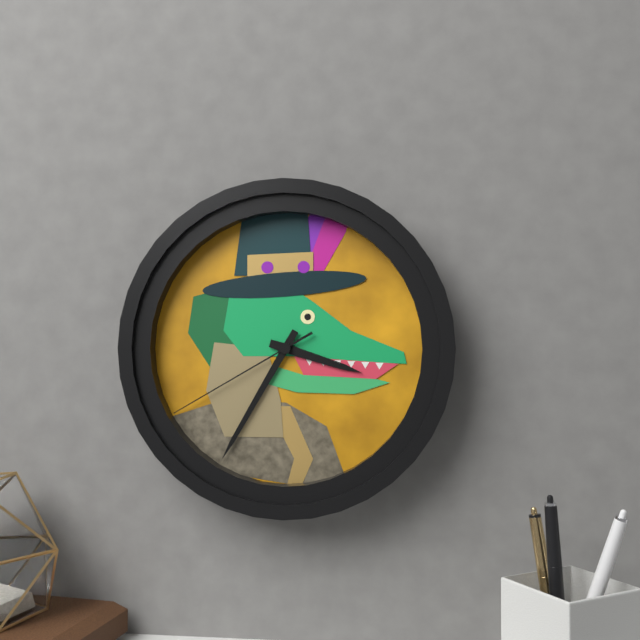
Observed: 3.35.40
